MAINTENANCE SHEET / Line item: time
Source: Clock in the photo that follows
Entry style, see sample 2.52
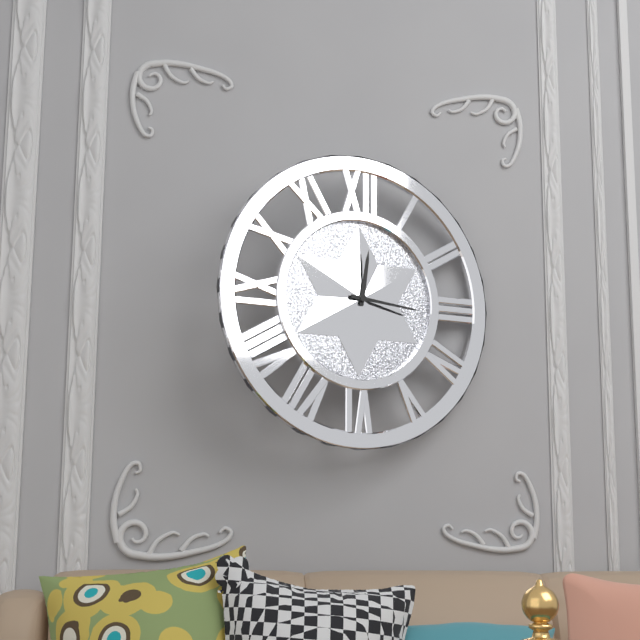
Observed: 12.16
